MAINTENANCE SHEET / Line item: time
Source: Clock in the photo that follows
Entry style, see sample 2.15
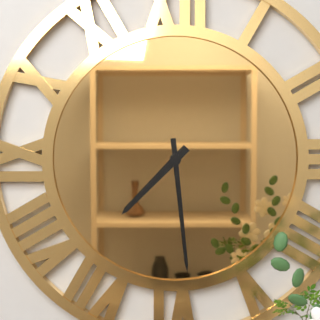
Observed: 7.29
